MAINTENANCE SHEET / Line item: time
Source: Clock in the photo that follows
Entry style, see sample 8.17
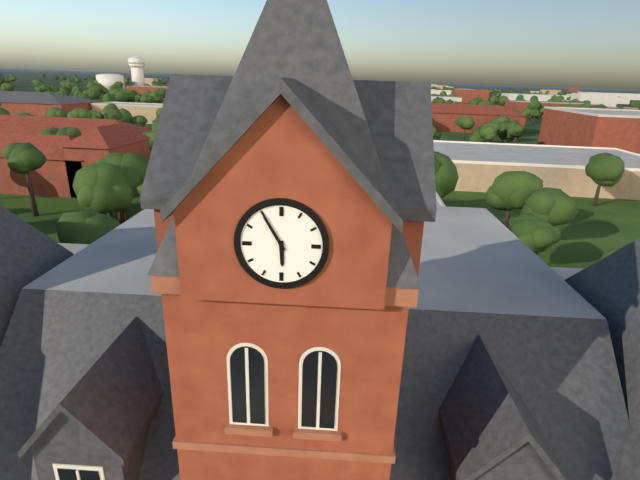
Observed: 5.55
